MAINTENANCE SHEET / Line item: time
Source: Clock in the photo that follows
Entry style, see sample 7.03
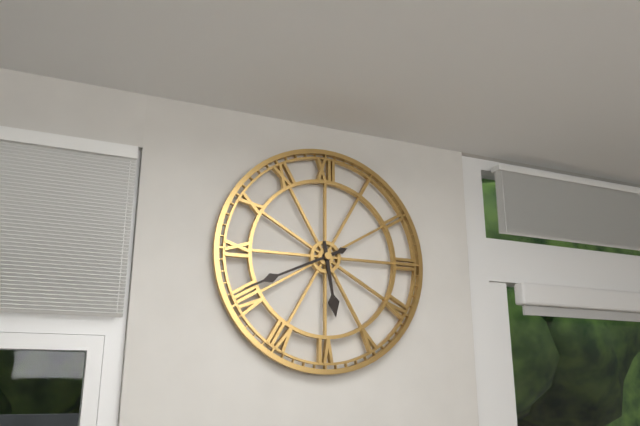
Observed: 5.41
